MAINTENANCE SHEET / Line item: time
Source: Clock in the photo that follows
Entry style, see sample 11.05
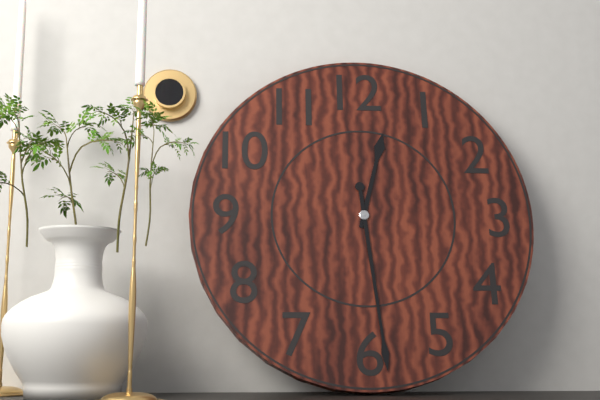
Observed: 12.29
